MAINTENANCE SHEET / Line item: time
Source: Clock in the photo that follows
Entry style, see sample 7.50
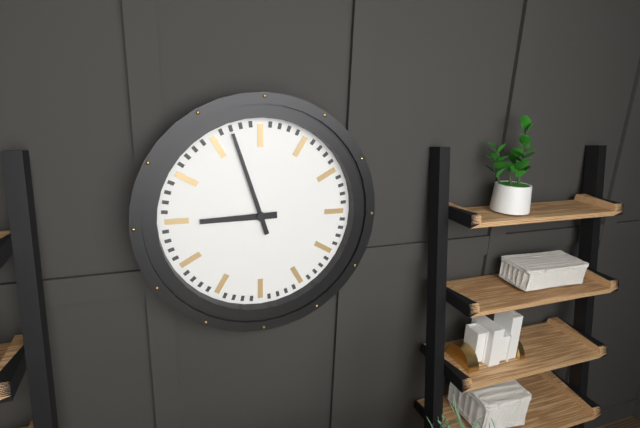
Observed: 8.57
